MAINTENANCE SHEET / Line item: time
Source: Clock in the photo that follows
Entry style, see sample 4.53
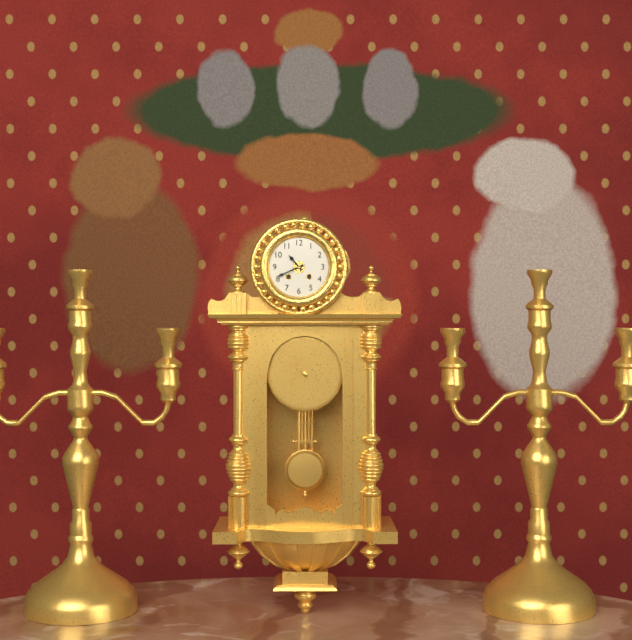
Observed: 10.41
